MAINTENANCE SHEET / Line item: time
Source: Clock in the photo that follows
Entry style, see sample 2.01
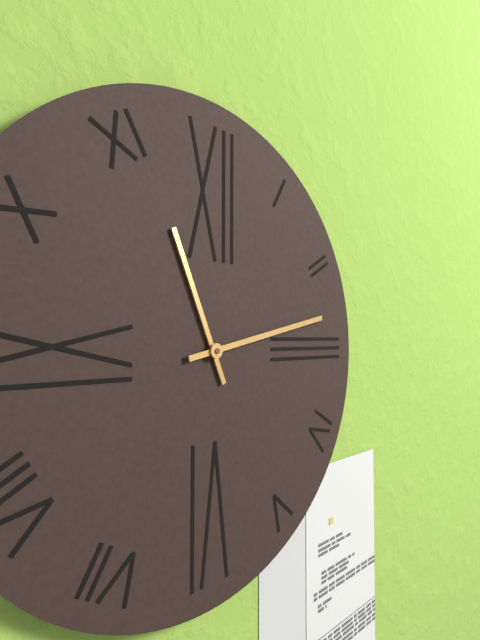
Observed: 11.13
